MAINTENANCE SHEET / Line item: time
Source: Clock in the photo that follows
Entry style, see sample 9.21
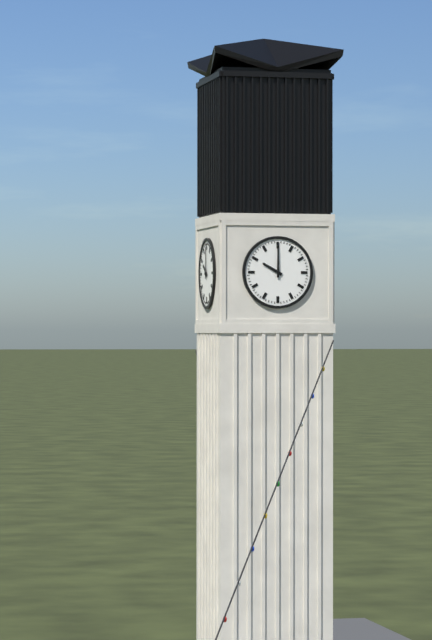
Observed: 10.00
